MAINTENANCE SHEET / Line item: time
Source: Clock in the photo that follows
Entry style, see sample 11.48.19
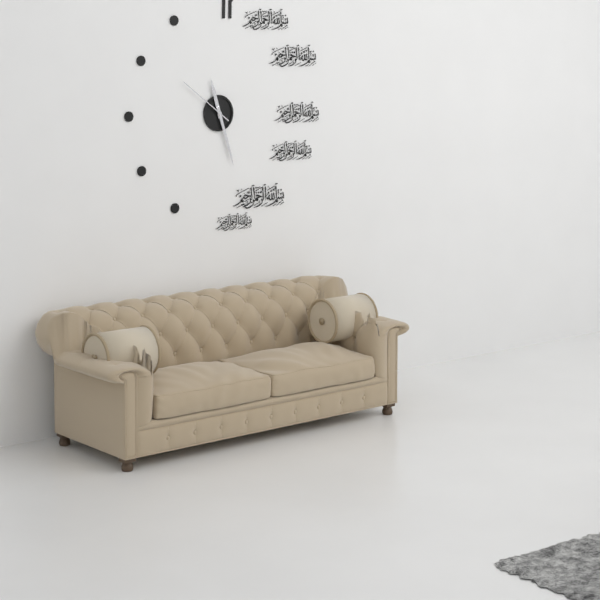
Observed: 11.27.51
